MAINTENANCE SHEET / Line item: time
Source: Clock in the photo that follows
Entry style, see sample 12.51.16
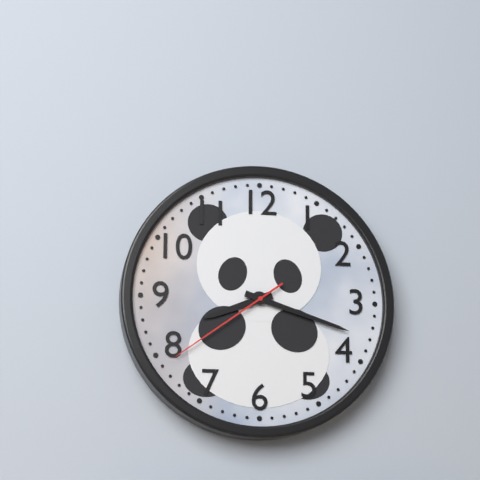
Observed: 8.18.39
